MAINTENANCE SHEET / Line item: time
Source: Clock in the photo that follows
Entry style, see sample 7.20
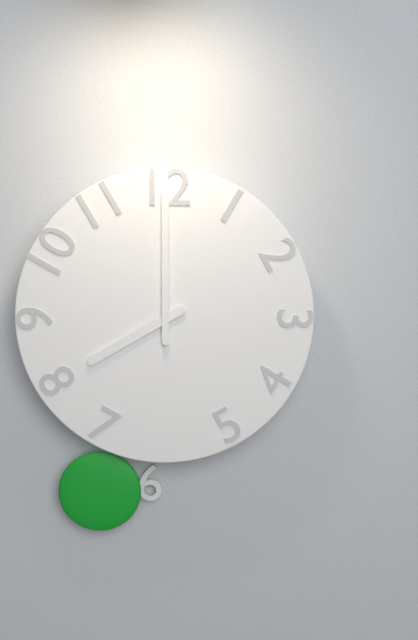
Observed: 8.00
